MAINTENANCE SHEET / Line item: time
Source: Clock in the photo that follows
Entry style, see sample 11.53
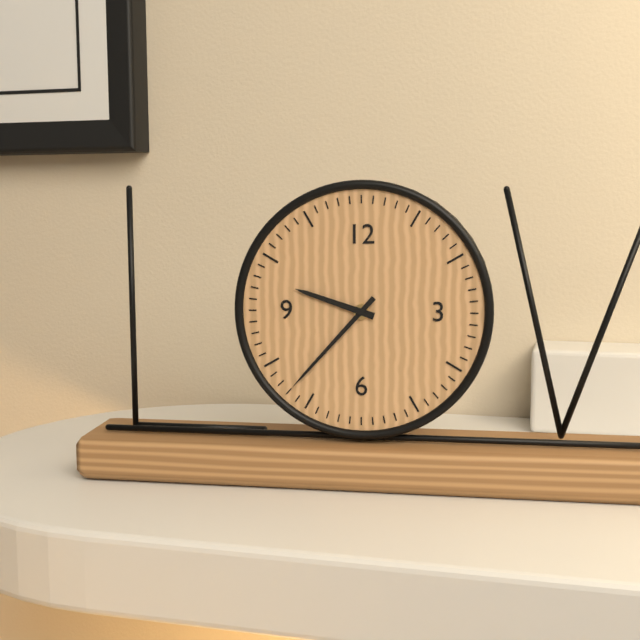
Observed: 9.37
